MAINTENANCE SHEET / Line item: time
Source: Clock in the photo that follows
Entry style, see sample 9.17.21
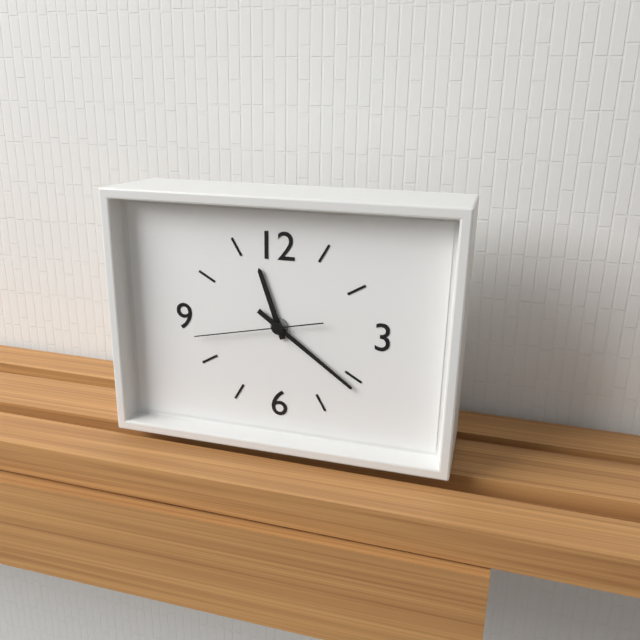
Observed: 11.21.43
